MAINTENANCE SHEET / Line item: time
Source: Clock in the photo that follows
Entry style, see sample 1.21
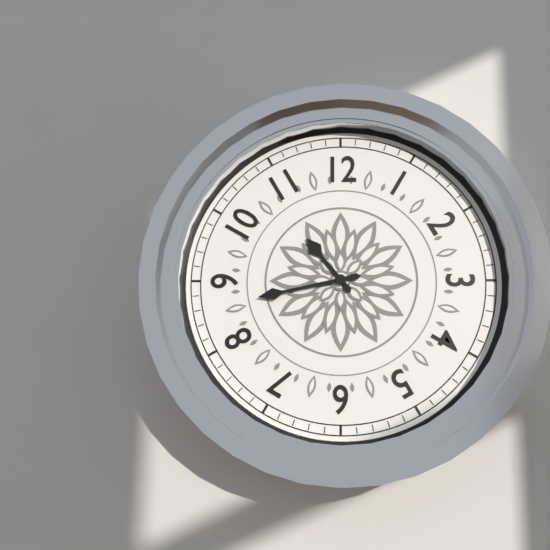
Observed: 10.43
